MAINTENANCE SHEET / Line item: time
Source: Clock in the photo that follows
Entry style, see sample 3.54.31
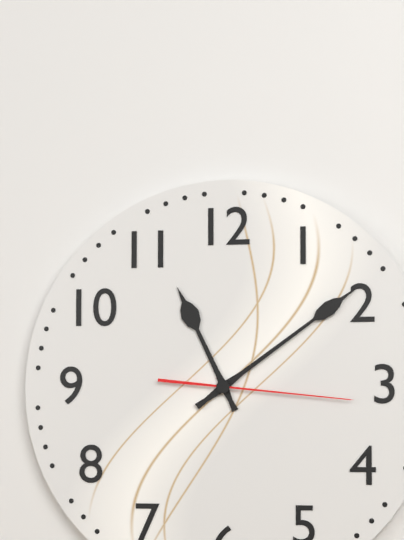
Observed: 11.09.16
